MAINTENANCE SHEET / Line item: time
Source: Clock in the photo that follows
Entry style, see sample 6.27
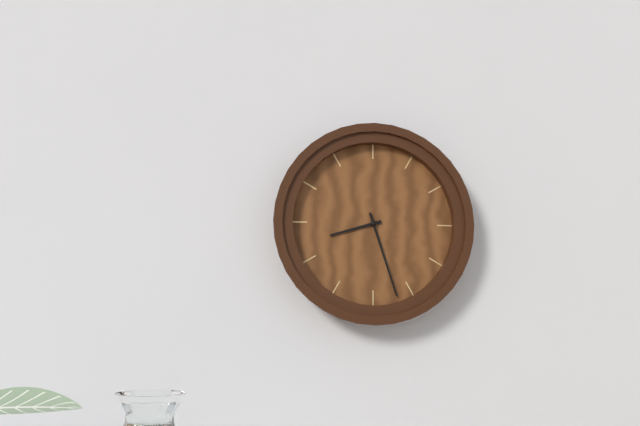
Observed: 8.27
